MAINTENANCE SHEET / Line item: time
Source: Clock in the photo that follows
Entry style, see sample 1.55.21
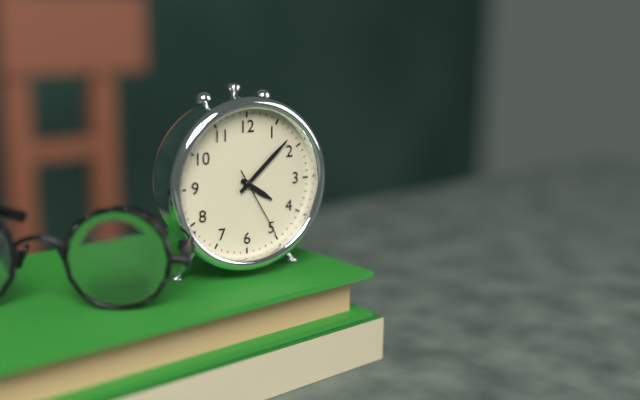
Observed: 4.08.25
